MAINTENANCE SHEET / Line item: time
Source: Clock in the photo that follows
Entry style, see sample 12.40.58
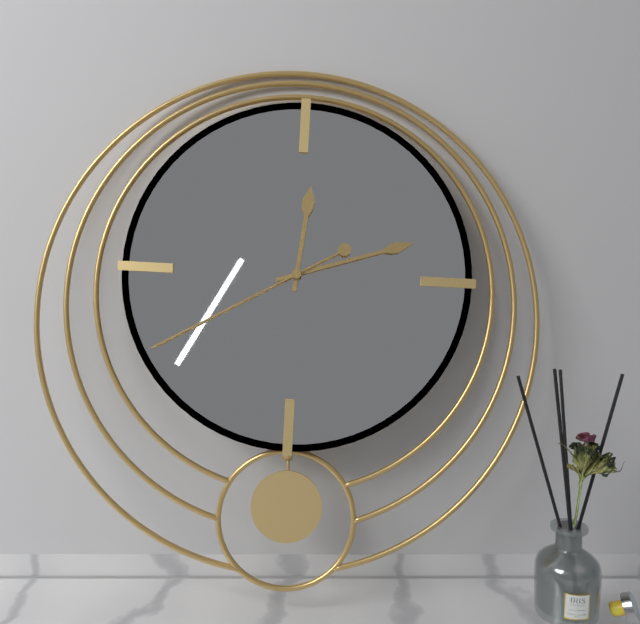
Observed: 12.12.40
